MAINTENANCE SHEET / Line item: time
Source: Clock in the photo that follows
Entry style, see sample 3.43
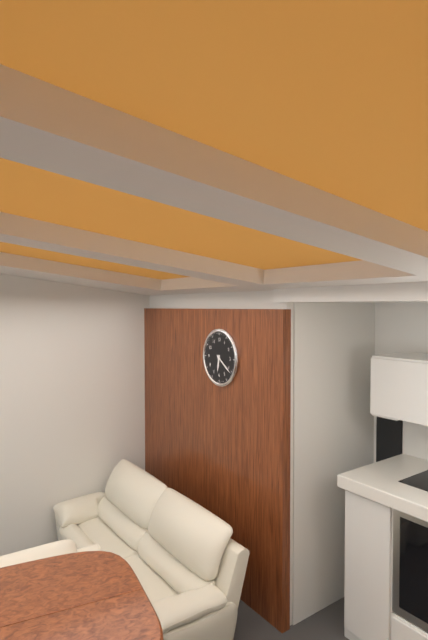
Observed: 6.21
